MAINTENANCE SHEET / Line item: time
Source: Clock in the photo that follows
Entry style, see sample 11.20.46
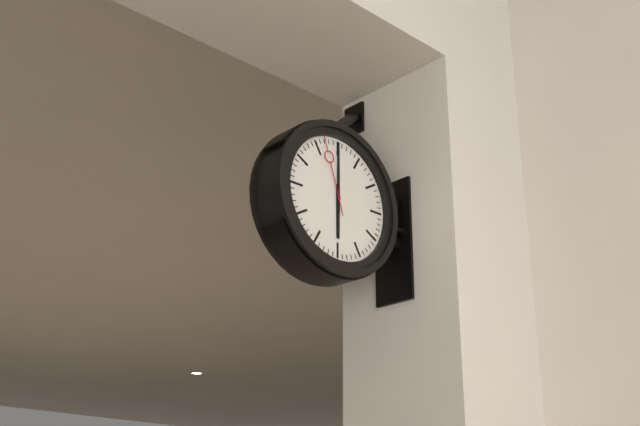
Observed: 6.00.57
